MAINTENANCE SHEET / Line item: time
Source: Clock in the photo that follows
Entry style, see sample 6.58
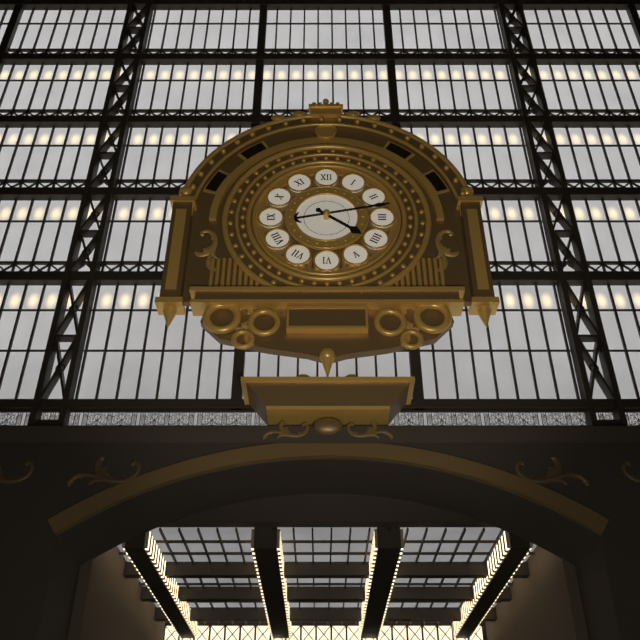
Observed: 4.13
